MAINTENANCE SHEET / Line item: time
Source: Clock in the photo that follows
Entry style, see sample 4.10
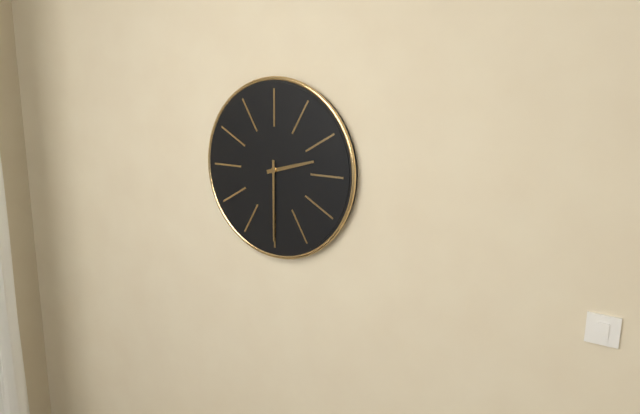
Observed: 2.30
